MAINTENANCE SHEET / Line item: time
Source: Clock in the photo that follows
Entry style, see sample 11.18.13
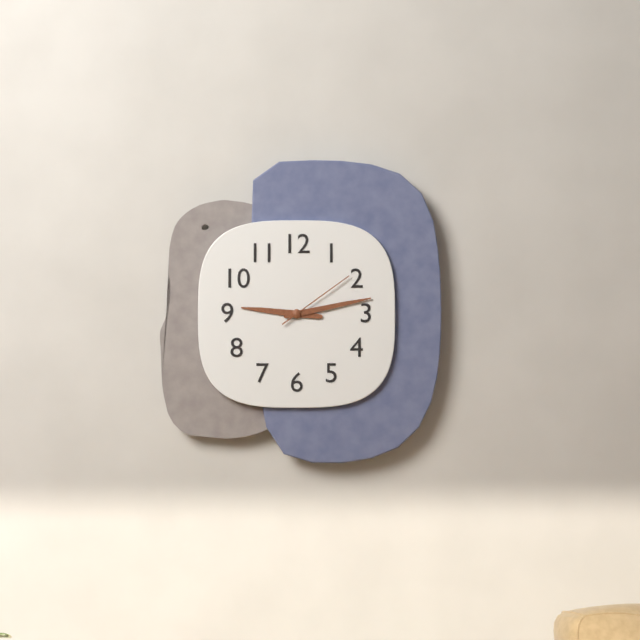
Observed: 9.13.09
